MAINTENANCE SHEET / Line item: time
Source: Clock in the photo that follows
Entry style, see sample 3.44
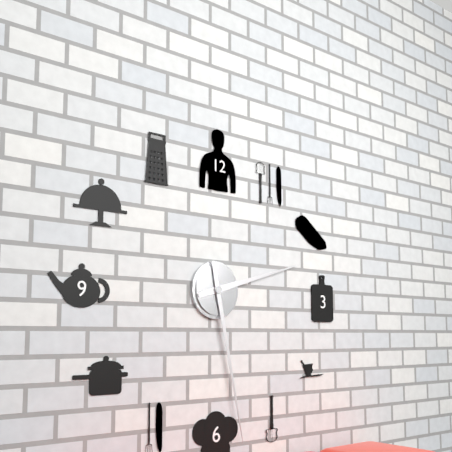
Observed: 2.28
